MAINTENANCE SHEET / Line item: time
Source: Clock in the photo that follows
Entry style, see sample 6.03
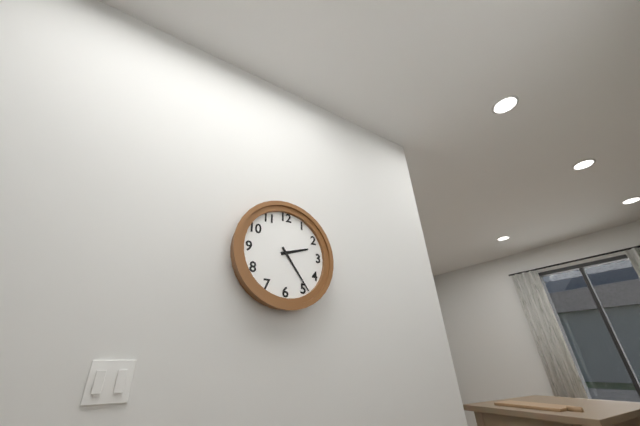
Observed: 2.24
